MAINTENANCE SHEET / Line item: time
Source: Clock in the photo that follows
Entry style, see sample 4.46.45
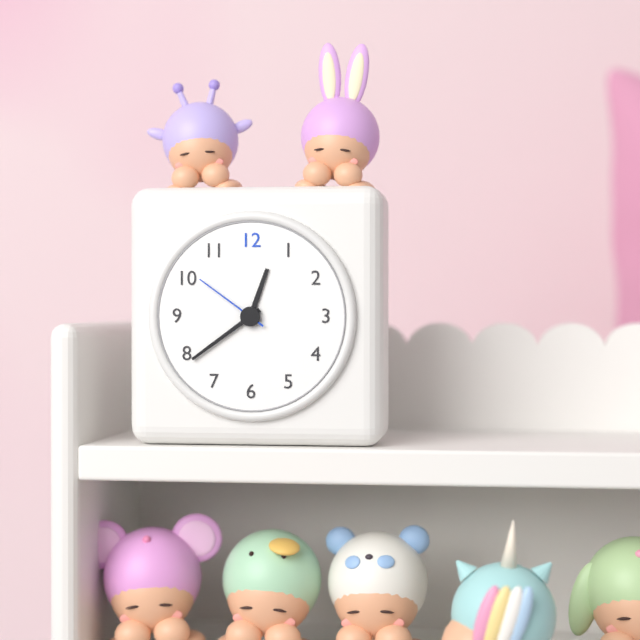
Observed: 12.39.51
